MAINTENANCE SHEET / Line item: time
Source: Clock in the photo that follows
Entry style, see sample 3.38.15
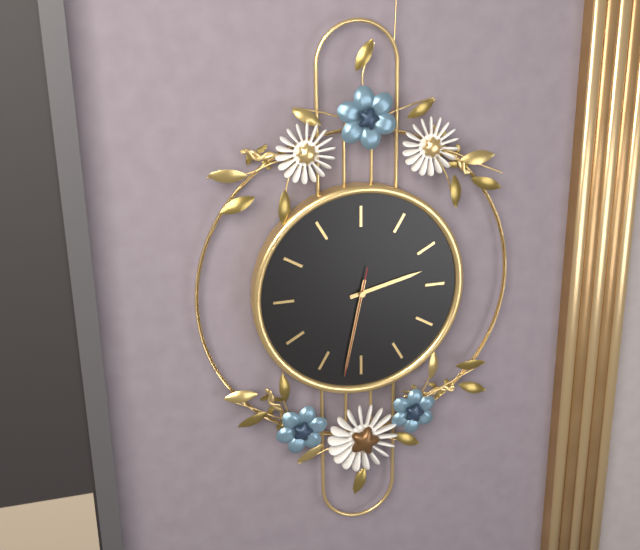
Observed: 2.32.32
